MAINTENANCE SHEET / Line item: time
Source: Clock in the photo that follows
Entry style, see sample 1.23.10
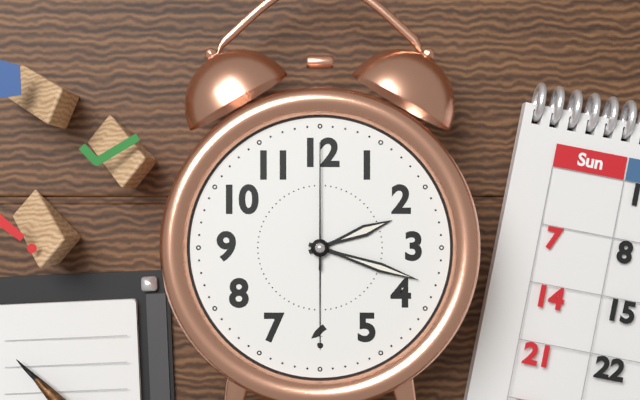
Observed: 2.18.00
